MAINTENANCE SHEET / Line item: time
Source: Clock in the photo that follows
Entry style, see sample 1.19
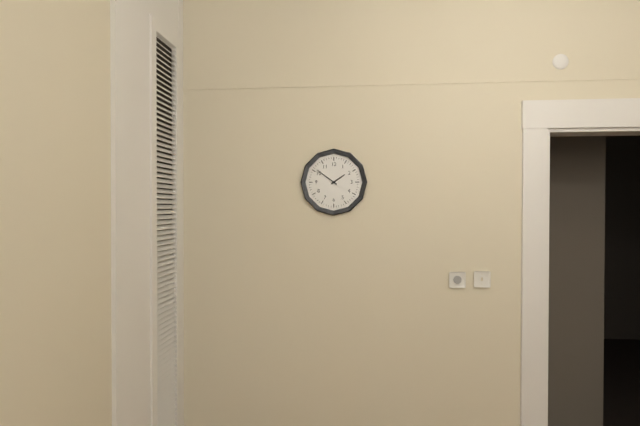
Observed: 1.51
